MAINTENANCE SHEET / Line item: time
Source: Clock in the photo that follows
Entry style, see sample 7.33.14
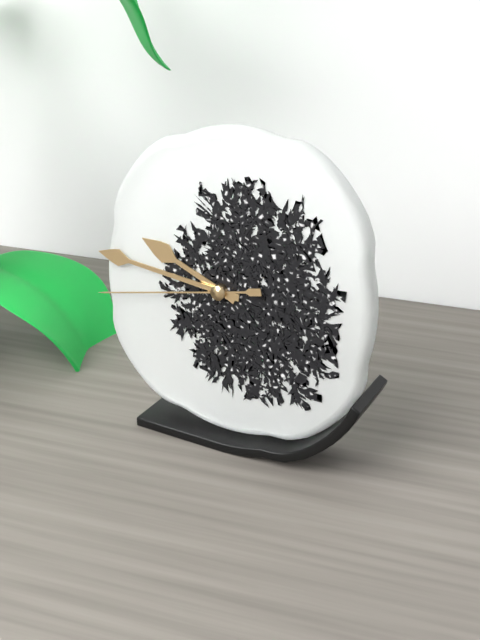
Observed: 9.46.43
